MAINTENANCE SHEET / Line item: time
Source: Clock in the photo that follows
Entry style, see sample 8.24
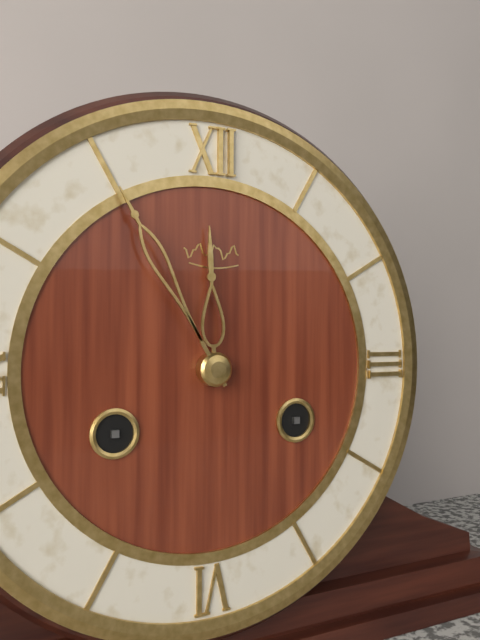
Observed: 11.55
